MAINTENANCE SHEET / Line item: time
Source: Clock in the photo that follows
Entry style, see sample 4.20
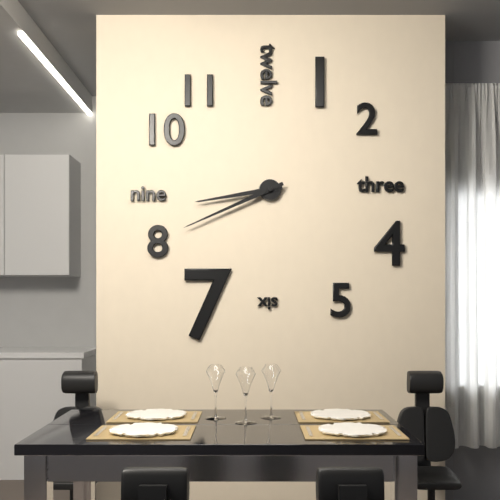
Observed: 8.41
